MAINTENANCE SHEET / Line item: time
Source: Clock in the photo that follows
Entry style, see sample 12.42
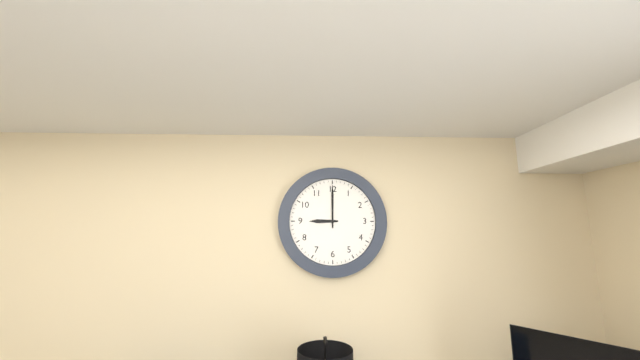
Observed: 9.00
